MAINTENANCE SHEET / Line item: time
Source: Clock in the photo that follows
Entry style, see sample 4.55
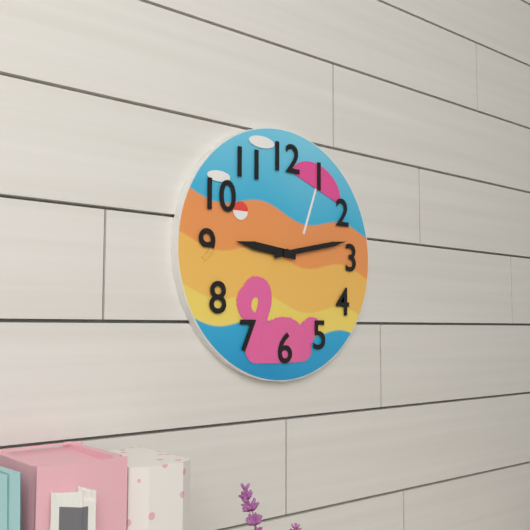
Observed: 9.13
